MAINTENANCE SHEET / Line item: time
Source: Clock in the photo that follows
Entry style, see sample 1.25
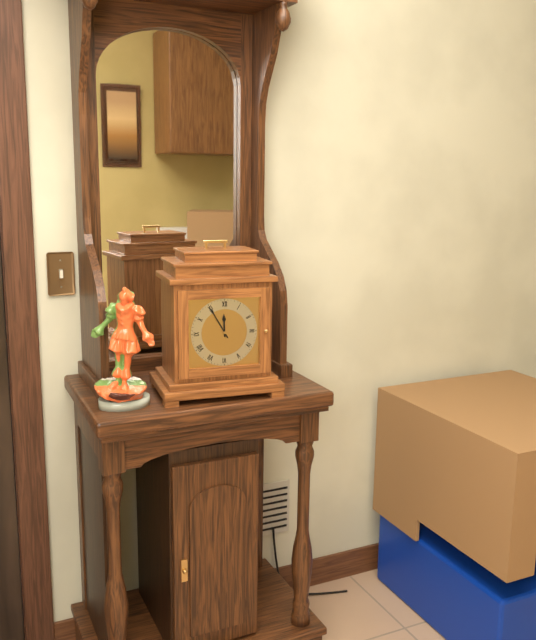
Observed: 11.55
